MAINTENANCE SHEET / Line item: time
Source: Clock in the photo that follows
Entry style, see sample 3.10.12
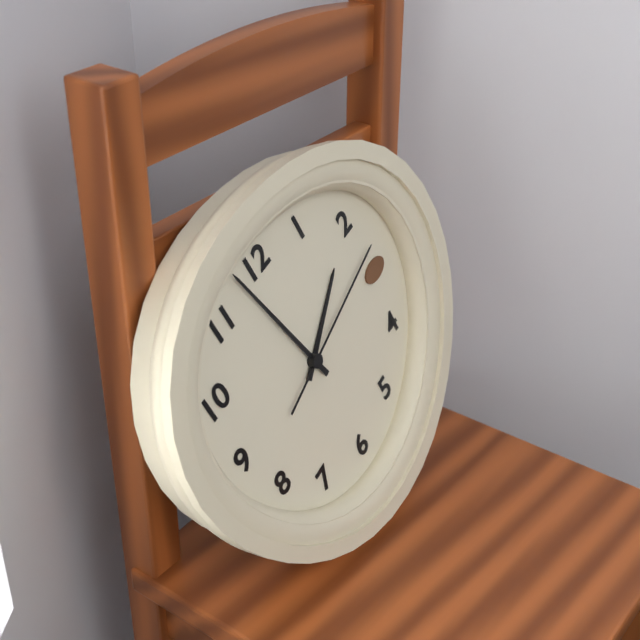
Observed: 1.58.13
